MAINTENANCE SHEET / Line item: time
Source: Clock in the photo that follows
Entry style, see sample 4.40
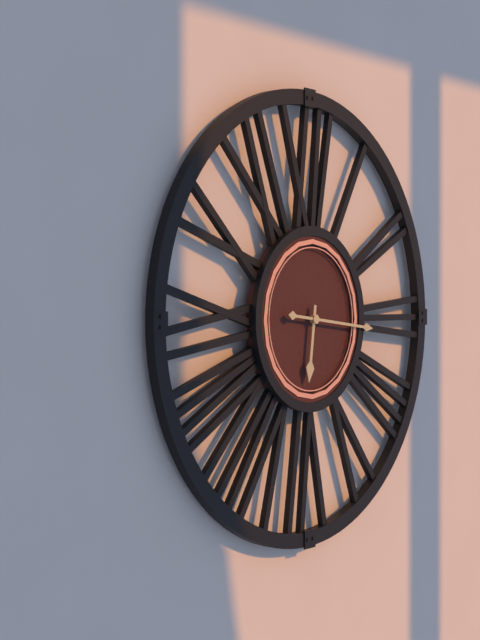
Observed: 6.16
